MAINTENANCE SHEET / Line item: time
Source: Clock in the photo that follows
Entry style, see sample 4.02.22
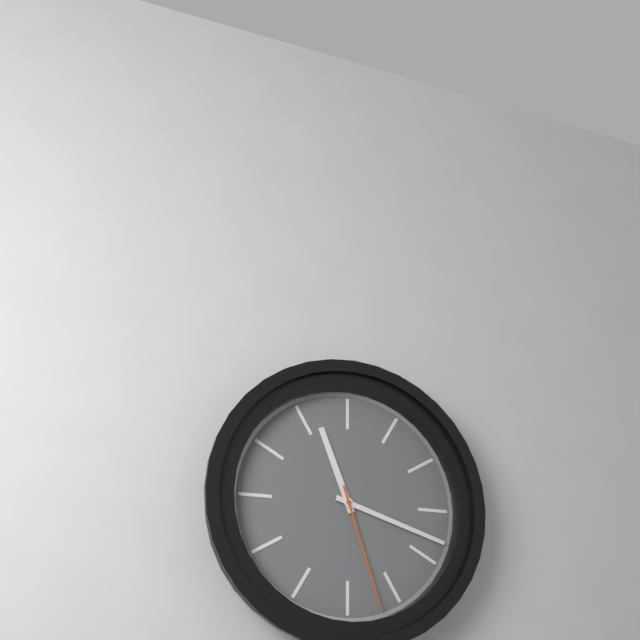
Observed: 11.18.27
